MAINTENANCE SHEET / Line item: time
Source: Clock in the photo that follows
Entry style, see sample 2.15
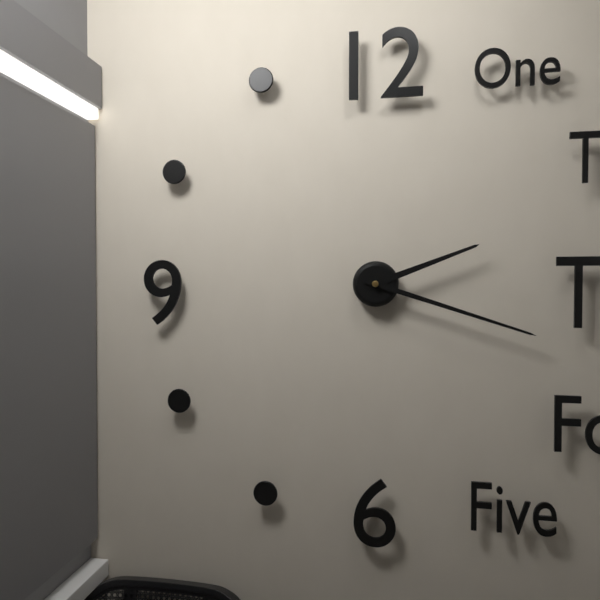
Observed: 2.18
